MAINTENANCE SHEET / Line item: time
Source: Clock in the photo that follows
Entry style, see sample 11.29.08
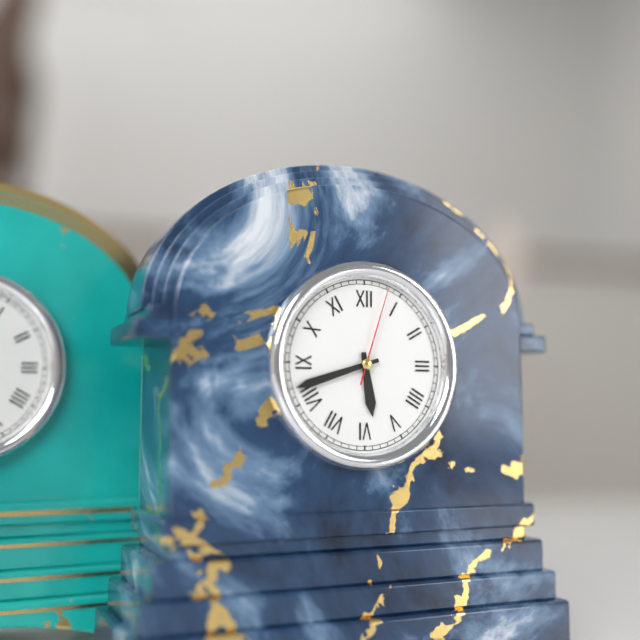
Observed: 5.42.03
